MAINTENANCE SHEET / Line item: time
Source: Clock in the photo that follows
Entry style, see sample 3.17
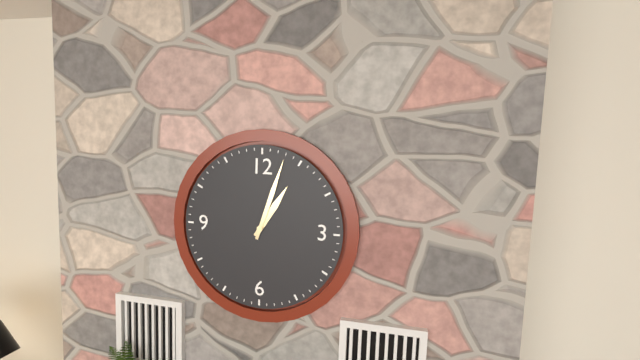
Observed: 1.03
